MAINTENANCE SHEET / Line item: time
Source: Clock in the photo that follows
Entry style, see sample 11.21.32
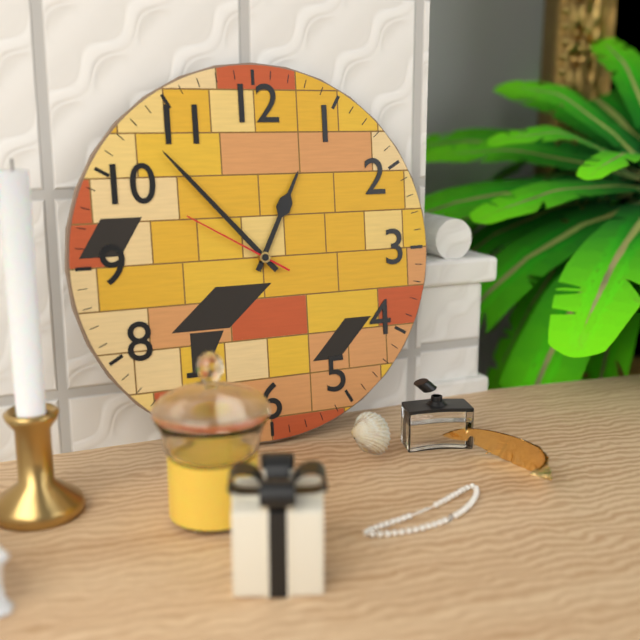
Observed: 12.53.50
